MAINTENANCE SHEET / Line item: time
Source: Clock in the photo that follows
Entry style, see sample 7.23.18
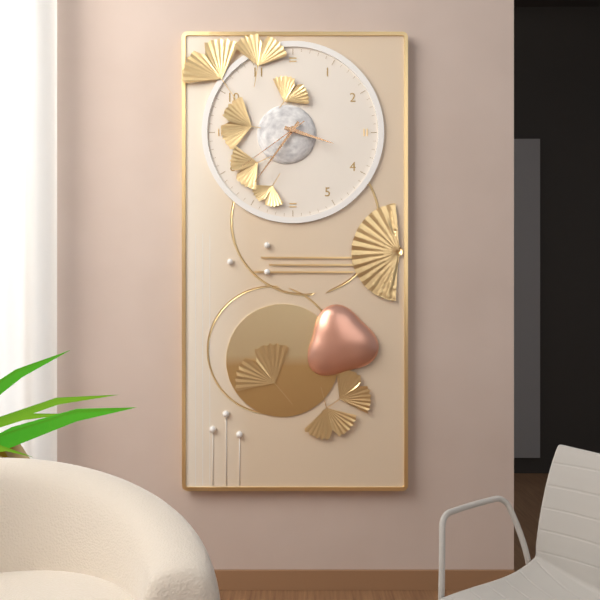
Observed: 3.36.39
